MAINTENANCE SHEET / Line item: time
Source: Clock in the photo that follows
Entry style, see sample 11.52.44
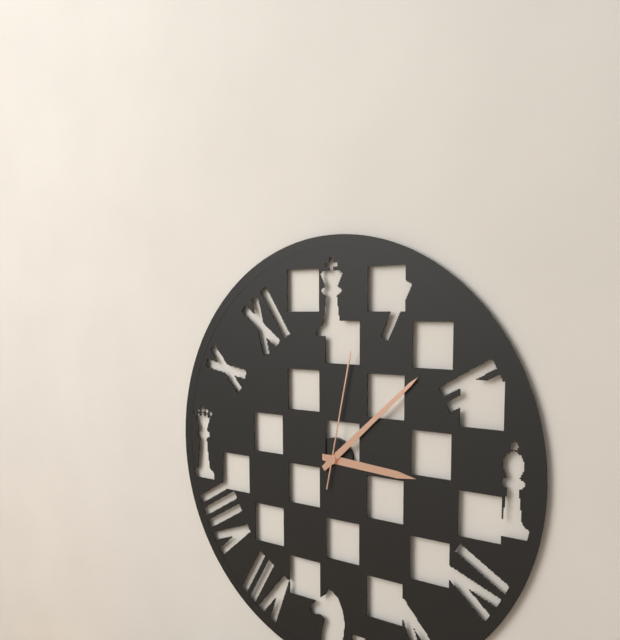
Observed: 3.08.02
